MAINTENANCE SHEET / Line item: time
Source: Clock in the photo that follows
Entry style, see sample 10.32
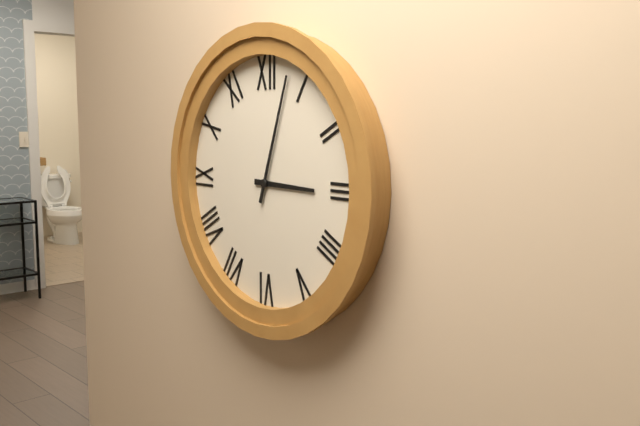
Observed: 3.03
